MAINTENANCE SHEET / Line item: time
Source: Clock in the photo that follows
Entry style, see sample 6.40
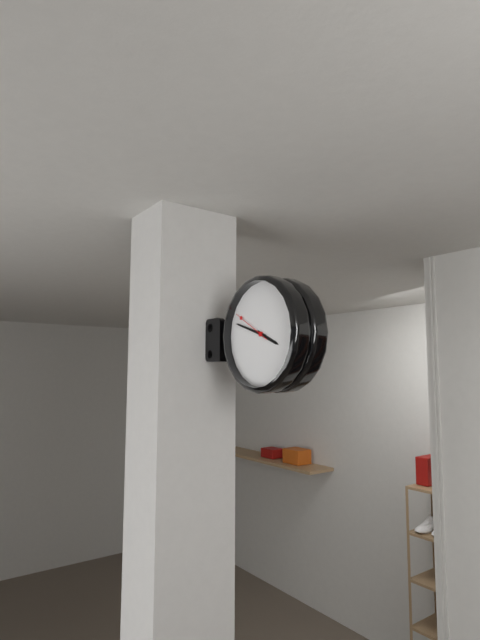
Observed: 3.48
